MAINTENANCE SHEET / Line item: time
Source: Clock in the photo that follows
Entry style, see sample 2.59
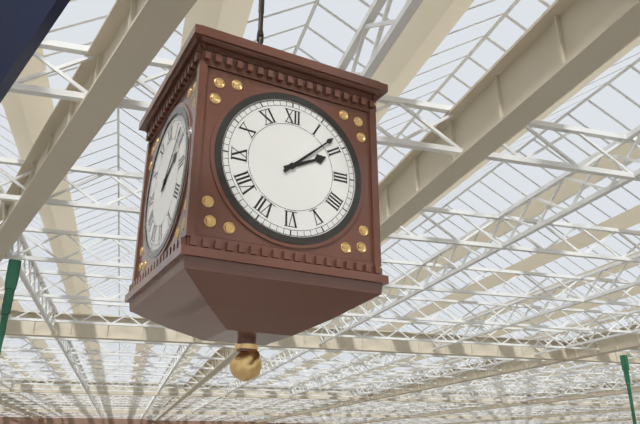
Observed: 2.08
